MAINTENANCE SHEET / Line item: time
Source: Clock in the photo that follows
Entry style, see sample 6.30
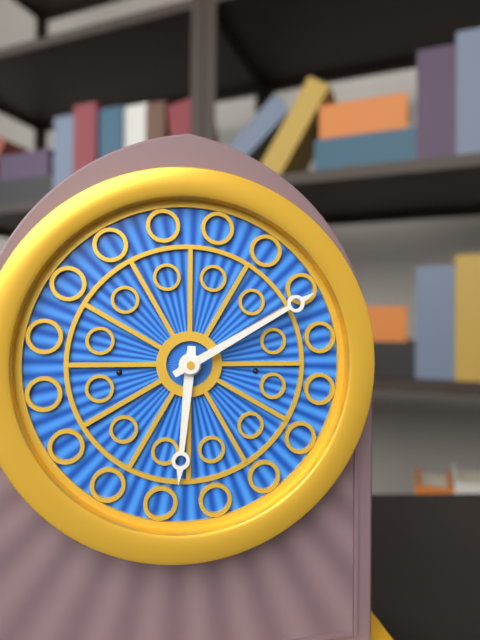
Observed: 6.10
